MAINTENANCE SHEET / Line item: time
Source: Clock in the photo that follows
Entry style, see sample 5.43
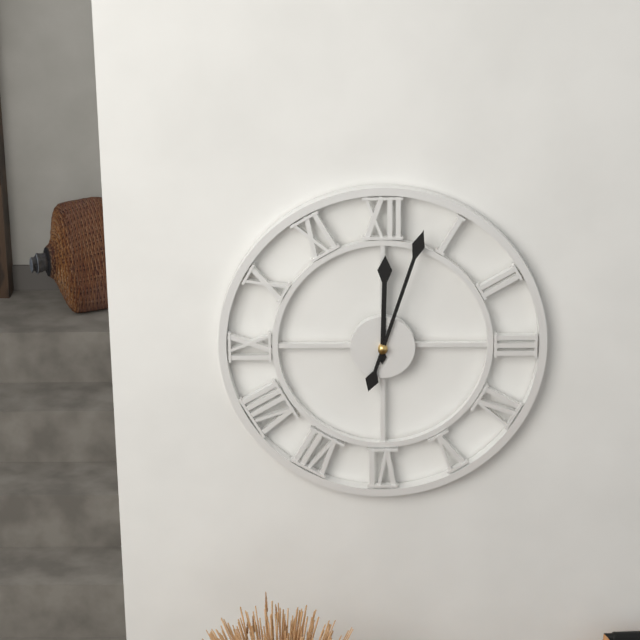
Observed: 12.03
